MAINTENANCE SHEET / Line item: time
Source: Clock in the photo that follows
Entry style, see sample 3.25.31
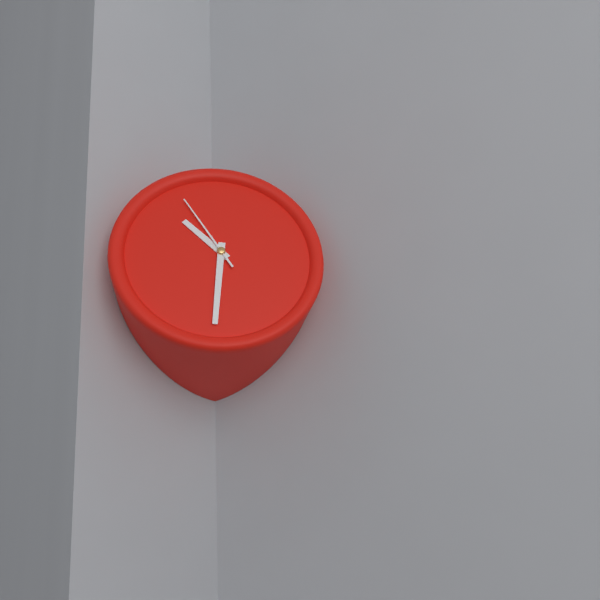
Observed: 10.31.55
